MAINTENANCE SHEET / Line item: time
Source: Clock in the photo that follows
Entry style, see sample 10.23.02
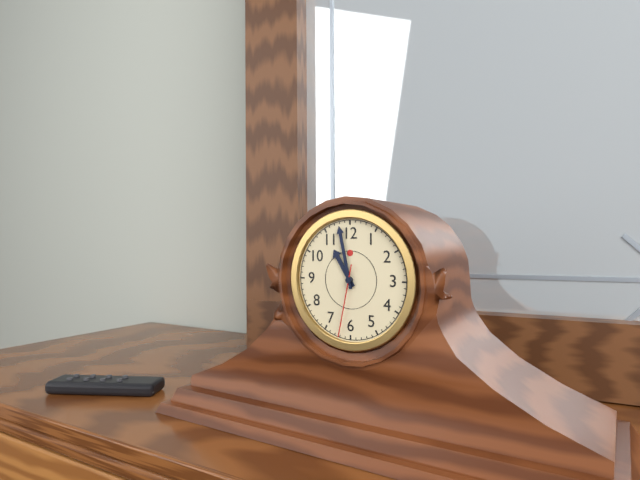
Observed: 10.58.32
